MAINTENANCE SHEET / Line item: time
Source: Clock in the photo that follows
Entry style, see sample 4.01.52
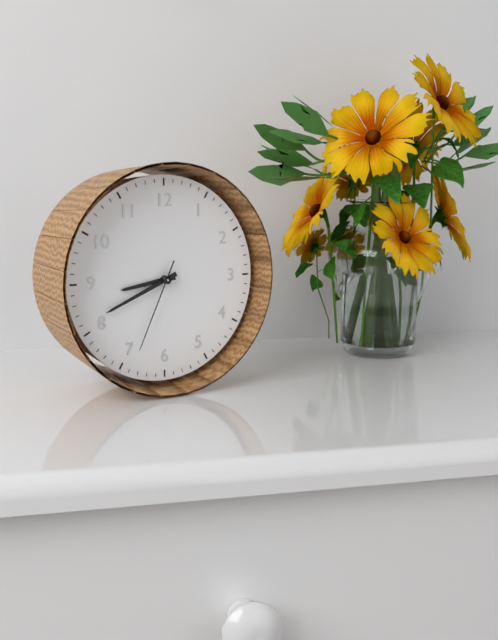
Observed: 8.41.34
